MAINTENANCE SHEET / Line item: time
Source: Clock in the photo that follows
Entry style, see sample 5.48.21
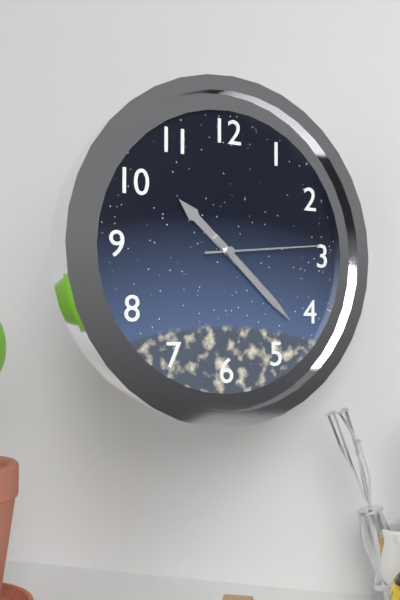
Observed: 10.22.14
